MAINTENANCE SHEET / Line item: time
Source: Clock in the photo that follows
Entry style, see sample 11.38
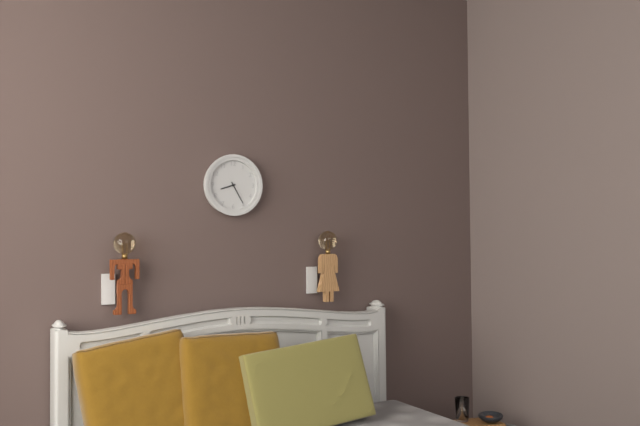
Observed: 8.25
